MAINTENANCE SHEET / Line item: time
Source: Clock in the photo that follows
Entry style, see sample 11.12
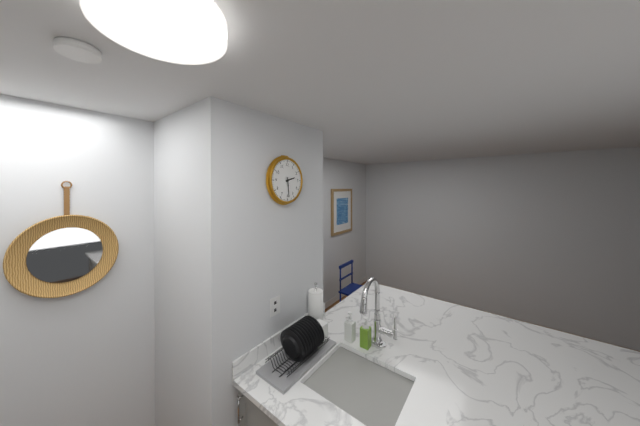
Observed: 2.29
